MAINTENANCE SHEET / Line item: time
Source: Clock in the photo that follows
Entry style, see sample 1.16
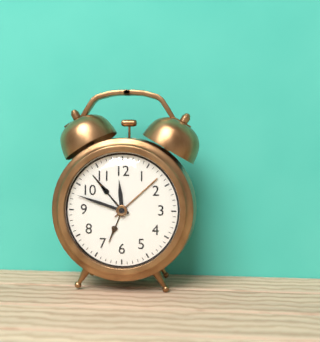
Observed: 11.48
